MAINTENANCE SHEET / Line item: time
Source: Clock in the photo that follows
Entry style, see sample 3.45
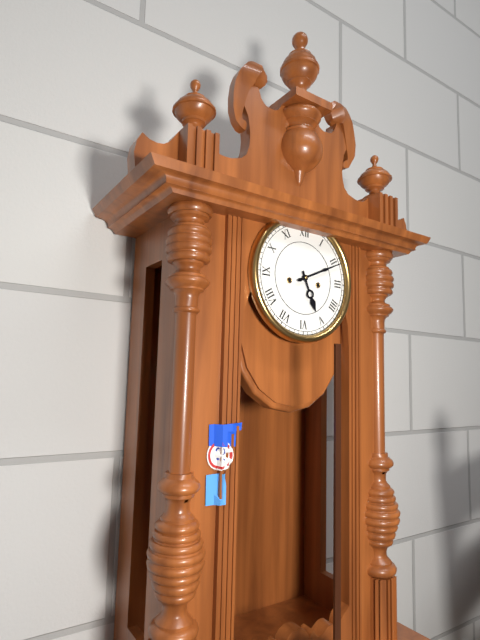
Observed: 5.11
